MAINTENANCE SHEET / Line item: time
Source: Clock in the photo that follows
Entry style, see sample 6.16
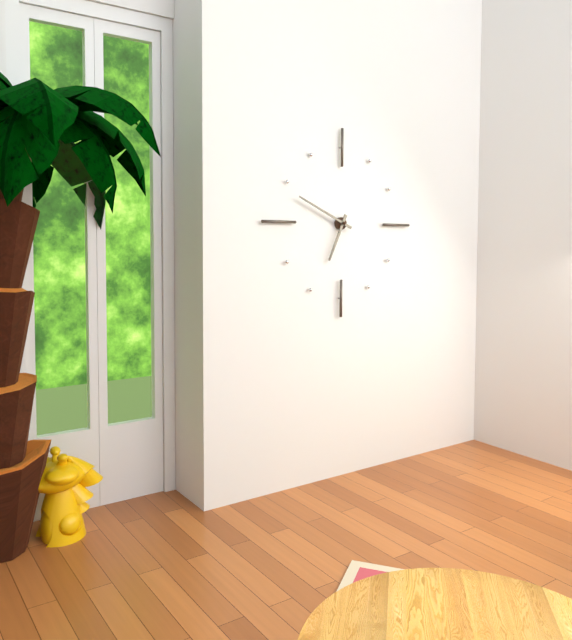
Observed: 6.49
